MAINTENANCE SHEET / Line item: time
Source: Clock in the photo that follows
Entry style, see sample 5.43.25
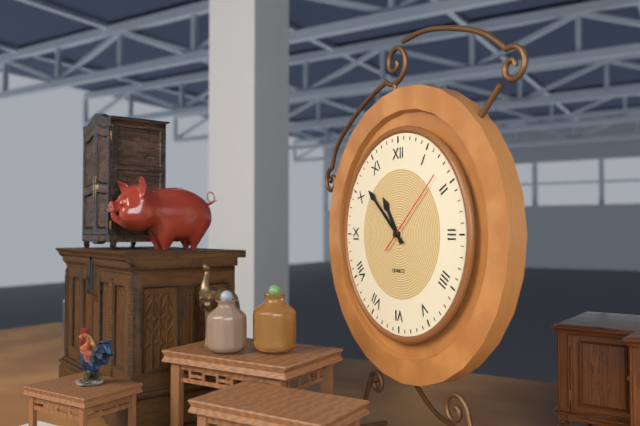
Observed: 10.52.08
